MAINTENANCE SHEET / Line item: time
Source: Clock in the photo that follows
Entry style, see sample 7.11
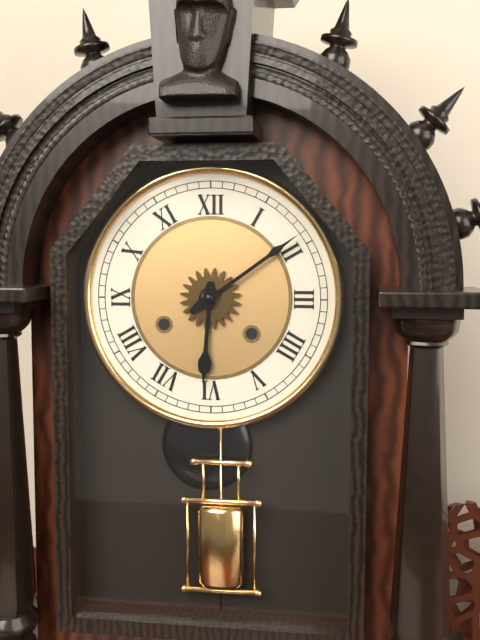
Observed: 6.09
